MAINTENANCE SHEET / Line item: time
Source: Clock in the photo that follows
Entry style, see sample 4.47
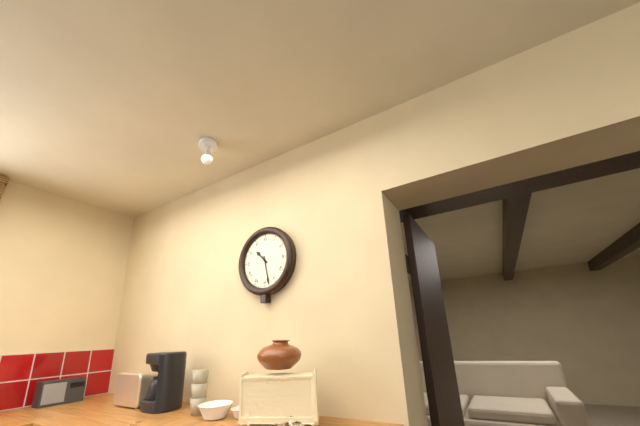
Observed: 10.28
